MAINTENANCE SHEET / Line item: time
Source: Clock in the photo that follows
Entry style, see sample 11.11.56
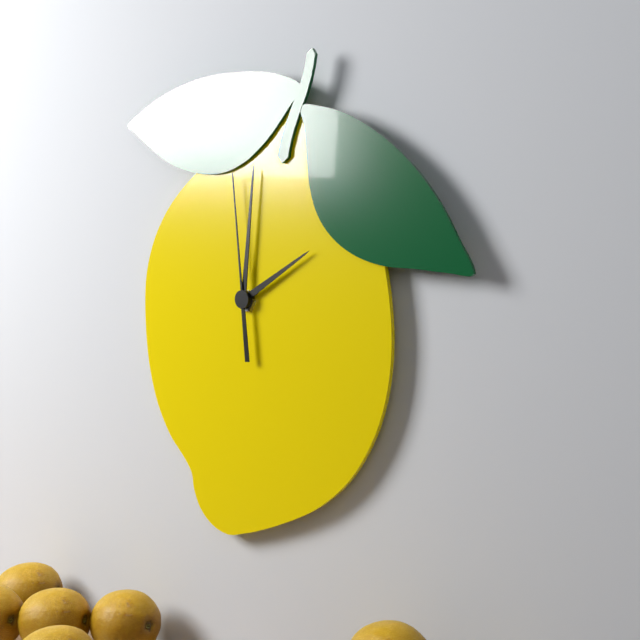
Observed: 2.01.59
